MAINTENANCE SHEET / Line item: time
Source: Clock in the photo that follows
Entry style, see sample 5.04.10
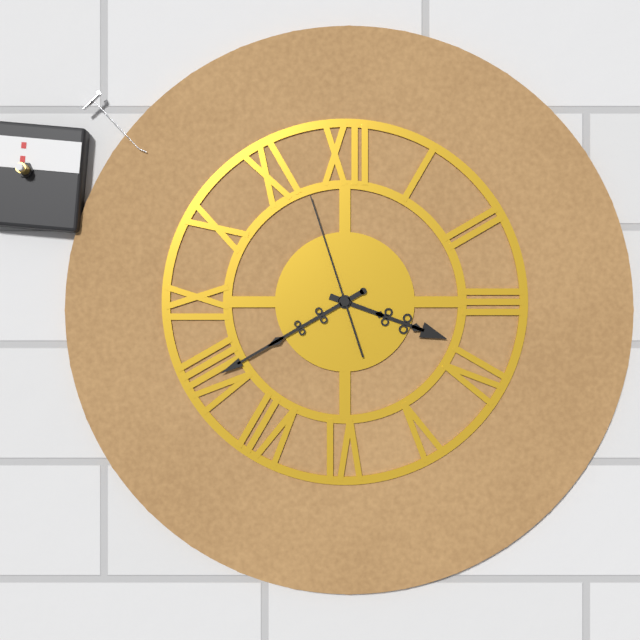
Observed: 3.40.57
